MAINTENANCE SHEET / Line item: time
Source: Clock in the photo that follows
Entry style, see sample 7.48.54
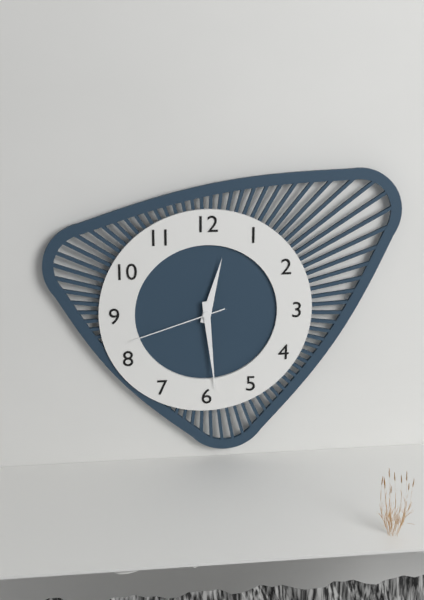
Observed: 12.29.42
